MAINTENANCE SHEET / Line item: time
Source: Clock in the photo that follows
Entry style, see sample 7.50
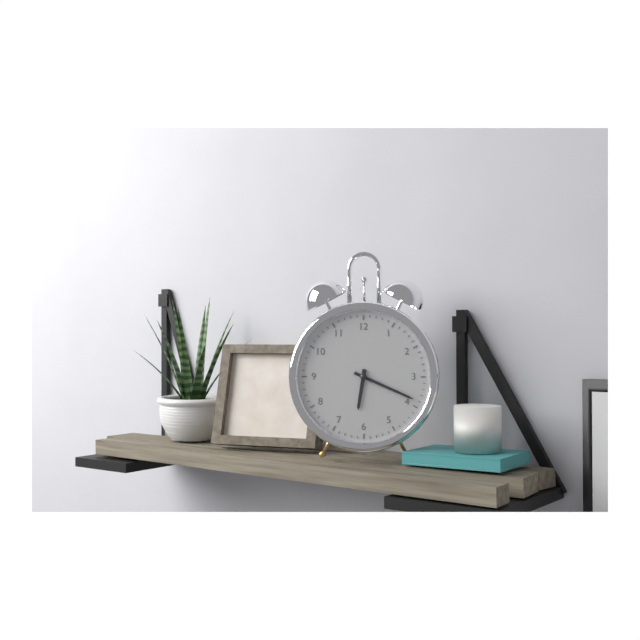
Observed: 6.19
